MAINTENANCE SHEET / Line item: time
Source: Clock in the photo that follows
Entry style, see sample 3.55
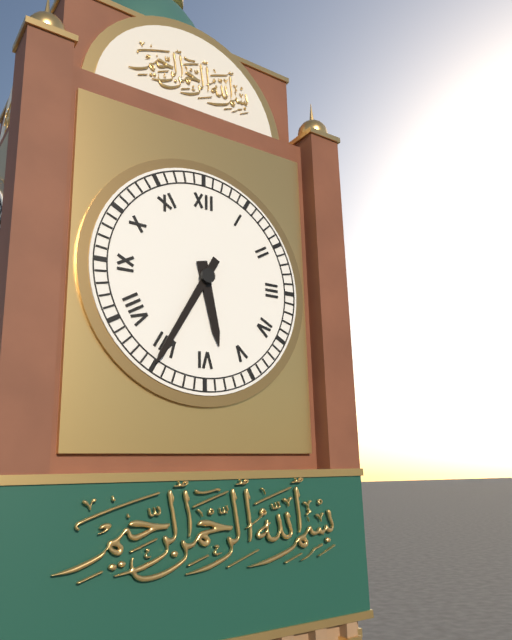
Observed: 5.35
